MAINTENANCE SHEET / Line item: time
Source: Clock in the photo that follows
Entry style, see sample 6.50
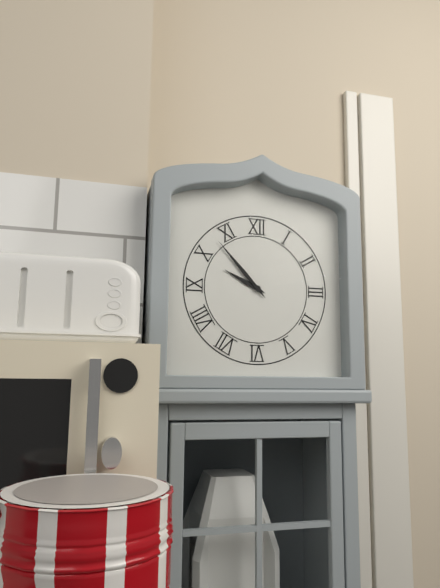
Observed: 9.53
